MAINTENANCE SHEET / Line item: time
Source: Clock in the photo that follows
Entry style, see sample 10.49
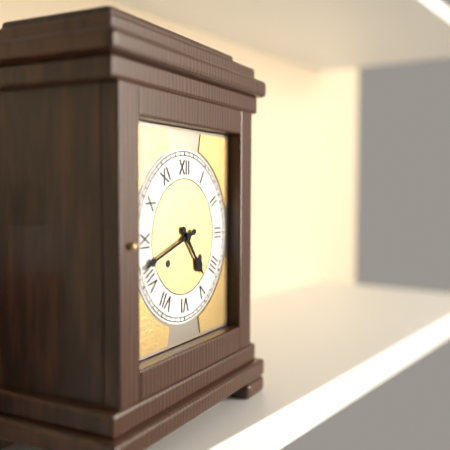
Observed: 4.42
